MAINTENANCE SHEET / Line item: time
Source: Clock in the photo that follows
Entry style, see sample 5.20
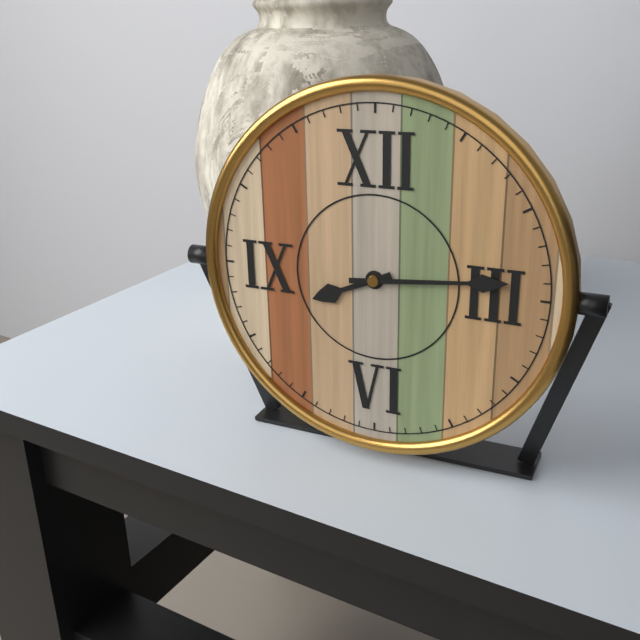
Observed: 8.14
